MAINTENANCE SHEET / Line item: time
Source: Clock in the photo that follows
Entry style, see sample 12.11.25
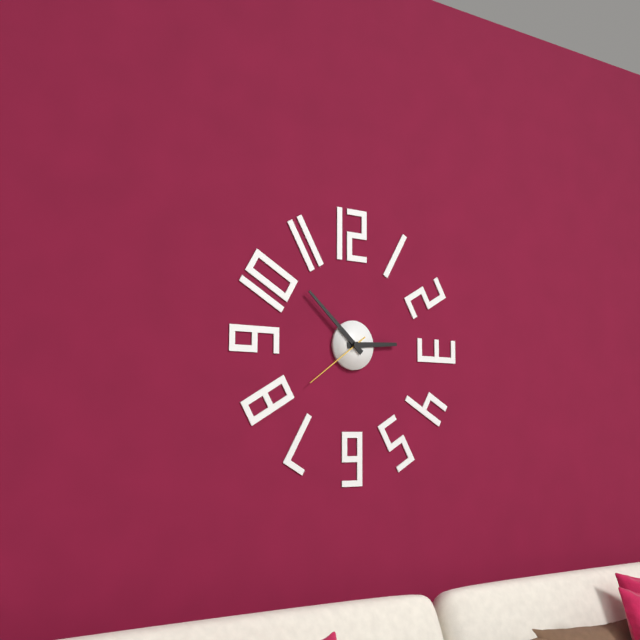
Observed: 2.52.39
